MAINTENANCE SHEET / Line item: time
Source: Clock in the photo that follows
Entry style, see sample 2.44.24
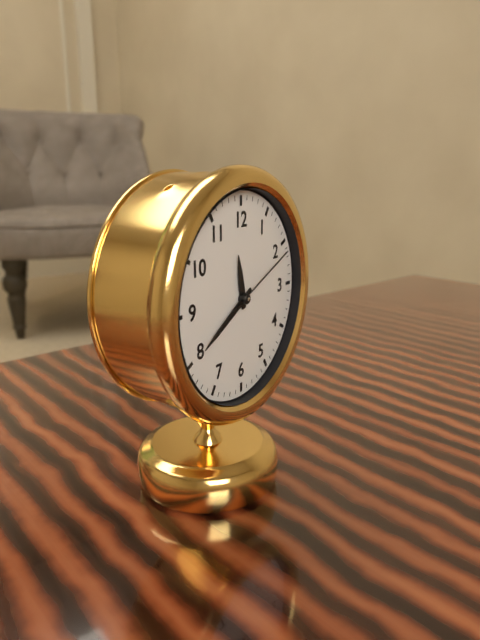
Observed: 11.40.11
